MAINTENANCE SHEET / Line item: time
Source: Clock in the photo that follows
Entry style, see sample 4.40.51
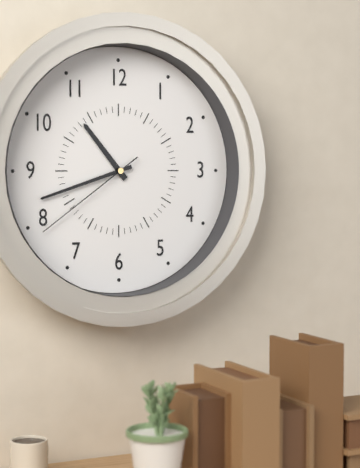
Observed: 10.42.39
